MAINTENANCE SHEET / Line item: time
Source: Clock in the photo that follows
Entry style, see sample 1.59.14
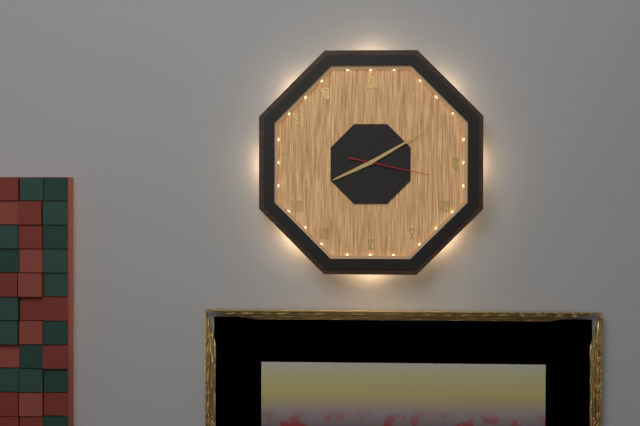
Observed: 8.10.17
